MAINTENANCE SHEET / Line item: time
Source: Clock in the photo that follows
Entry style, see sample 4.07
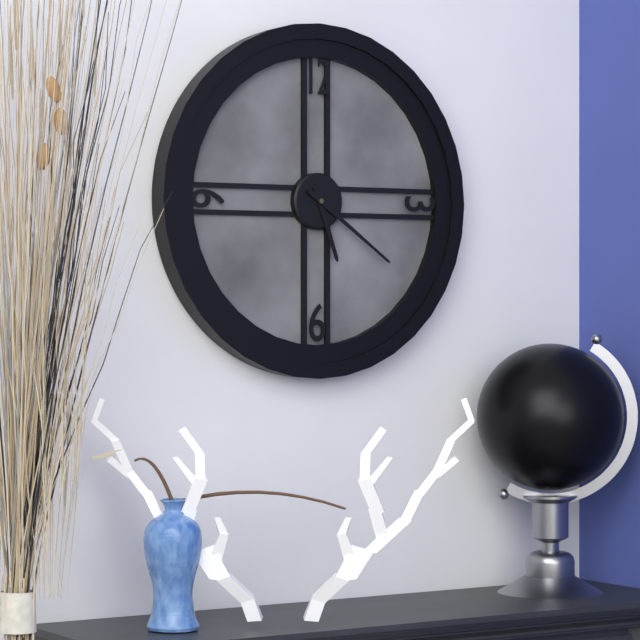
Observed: 5.21
